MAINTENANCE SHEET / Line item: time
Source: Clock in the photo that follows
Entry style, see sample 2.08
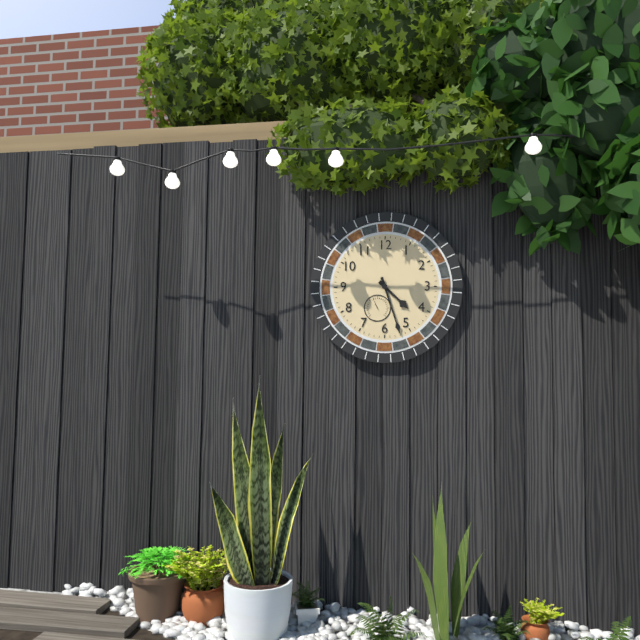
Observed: 4.27
